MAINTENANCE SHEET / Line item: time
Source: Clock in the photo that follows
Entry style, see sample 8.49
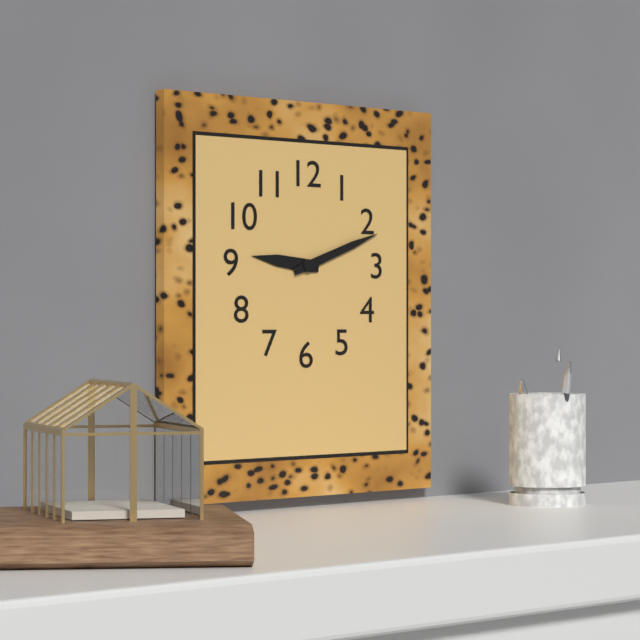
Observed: 9.12
